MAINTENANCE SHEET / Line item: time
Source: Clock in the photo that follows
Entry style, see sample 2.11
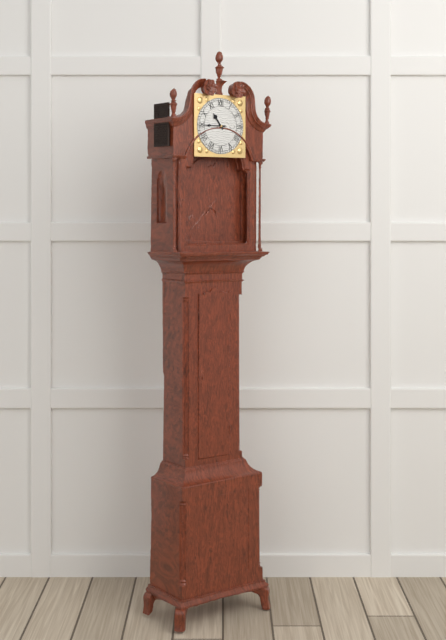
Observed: 10.45
